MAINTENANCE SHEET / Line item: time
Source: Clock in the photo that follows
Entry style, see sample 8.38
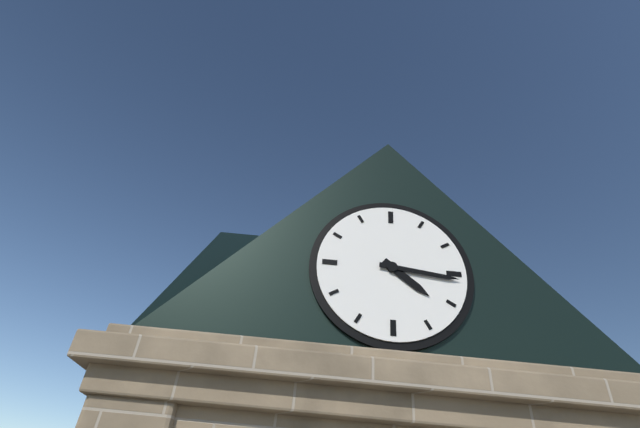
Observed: 4.16
